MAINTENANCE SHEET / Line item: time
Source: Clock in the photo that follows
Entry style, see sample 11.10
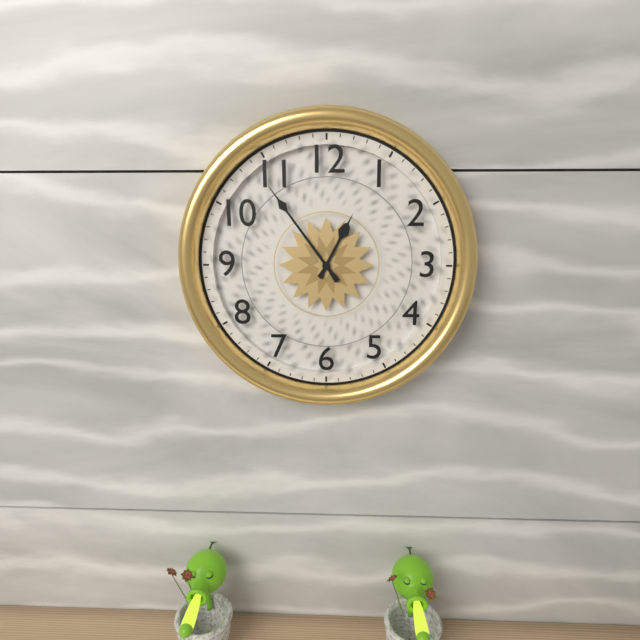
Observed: 12.54
